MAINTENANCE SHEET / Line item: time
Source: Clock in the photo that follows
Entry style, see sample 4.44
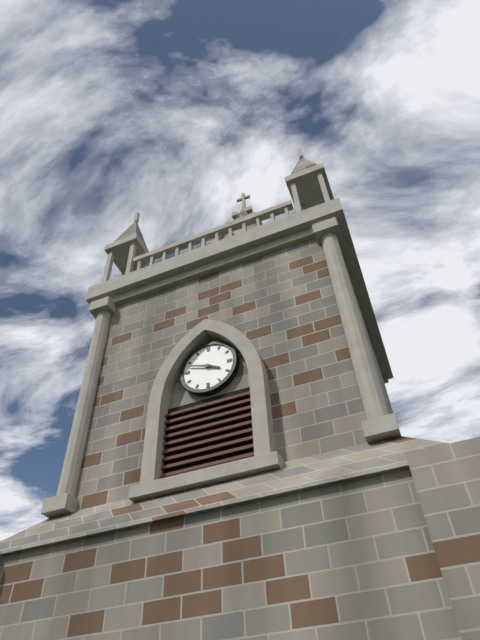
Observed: 3.48
